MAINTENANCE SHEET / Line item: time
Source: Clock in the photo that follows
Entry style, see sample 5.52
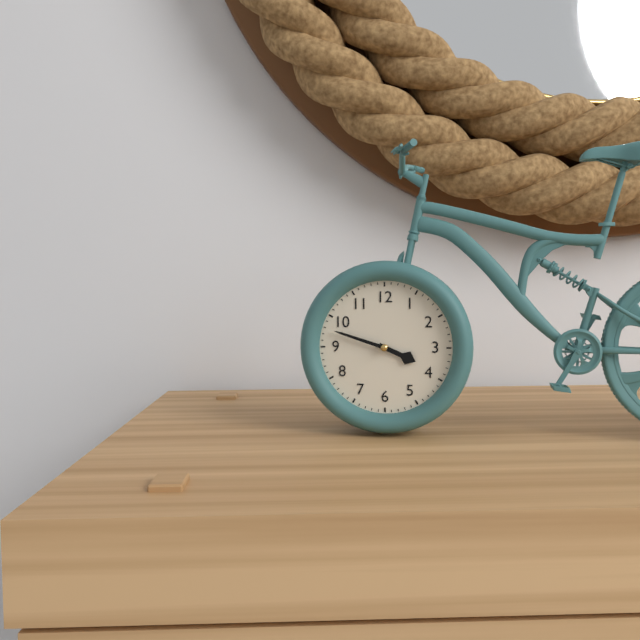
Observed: 3.48
